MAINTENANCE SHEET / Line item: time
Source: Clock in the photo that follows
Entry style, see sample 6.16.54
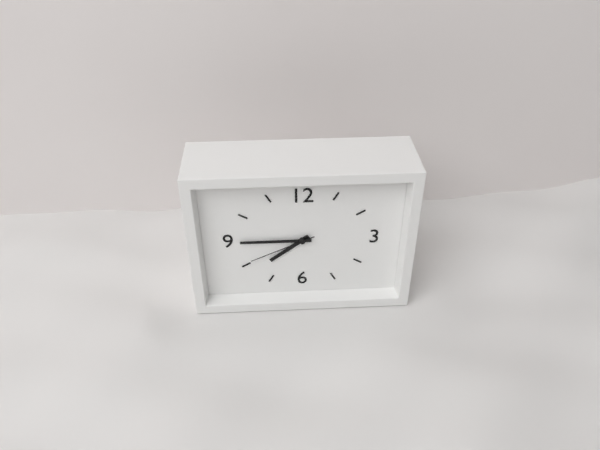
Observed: 7.45.41
